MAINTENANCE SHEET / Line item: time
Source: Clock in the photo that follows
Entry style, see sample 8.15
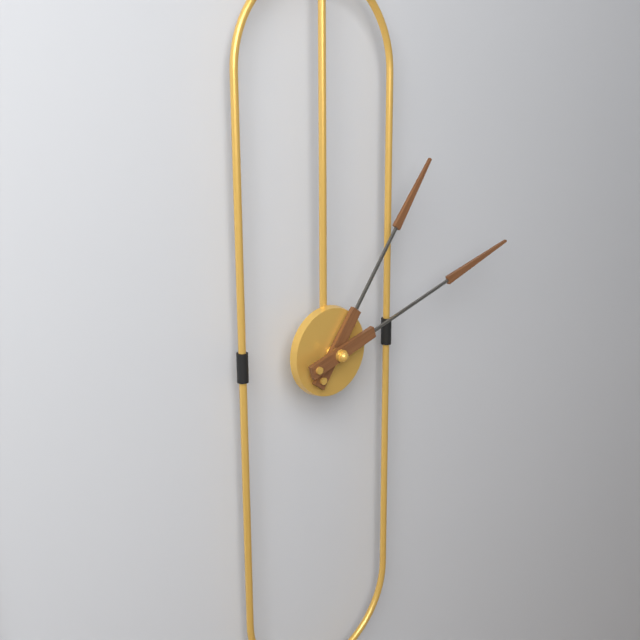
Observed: 1.12
